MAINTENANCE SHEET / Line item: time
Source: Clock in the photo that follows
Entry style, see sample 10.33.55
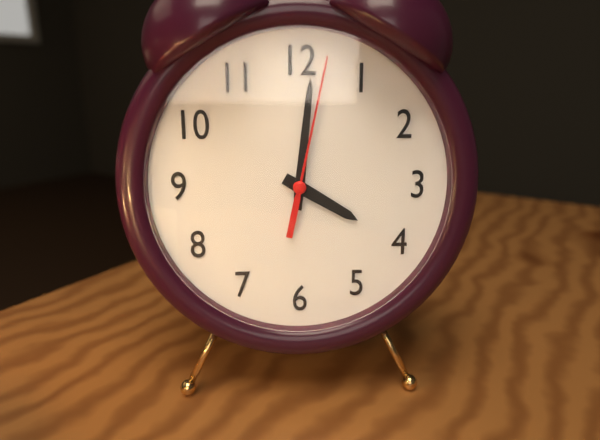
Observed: 4.01.02
